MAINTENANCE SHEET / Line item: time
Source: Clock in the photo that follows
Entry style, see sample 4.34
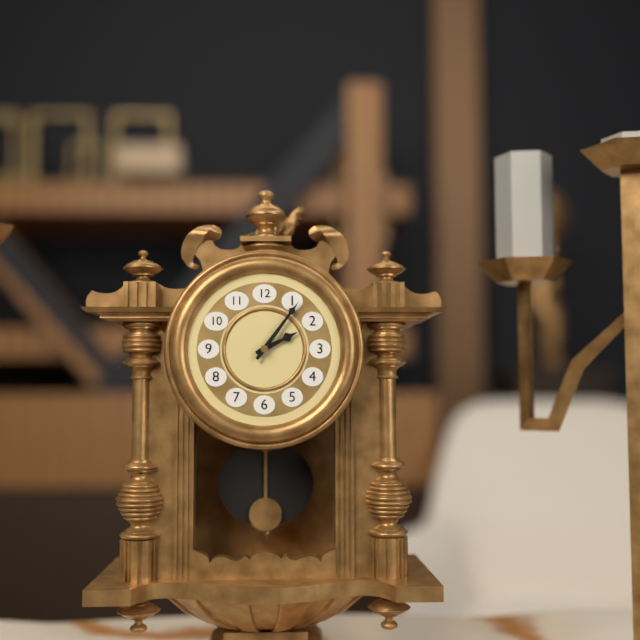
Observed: 2.06
